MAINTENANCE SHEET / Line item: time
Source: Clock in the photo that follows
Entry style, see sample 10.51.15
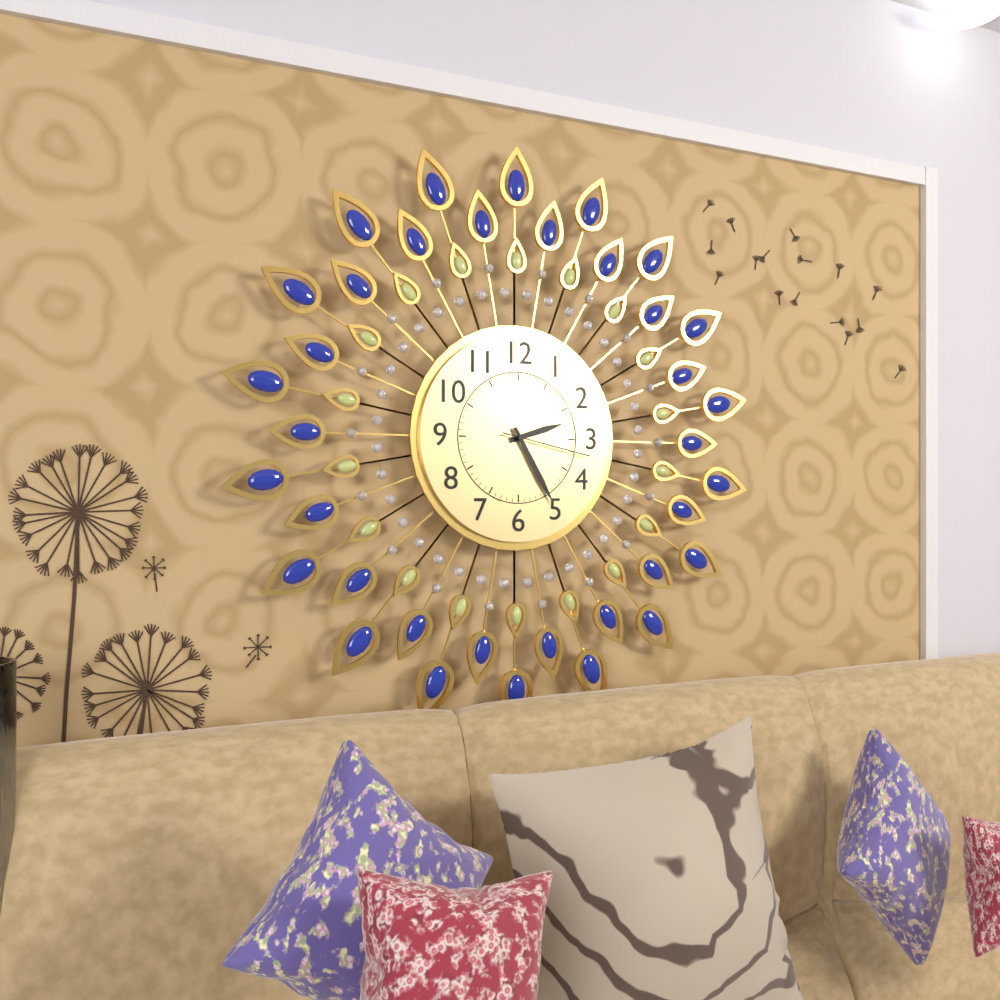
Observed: 2.25.17
